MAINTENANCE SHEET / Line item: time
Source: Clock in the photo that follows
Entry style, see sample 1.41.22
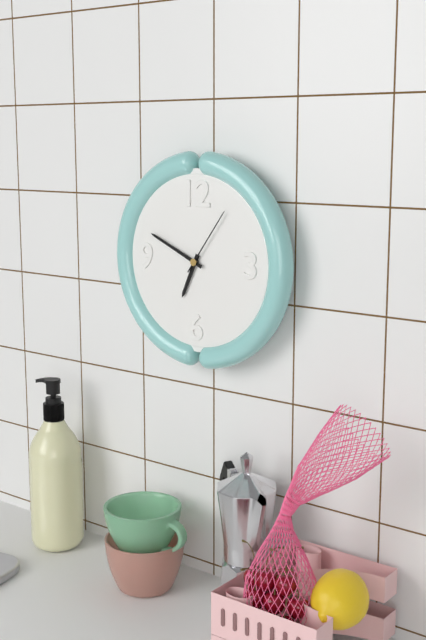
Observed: 6.49.06
